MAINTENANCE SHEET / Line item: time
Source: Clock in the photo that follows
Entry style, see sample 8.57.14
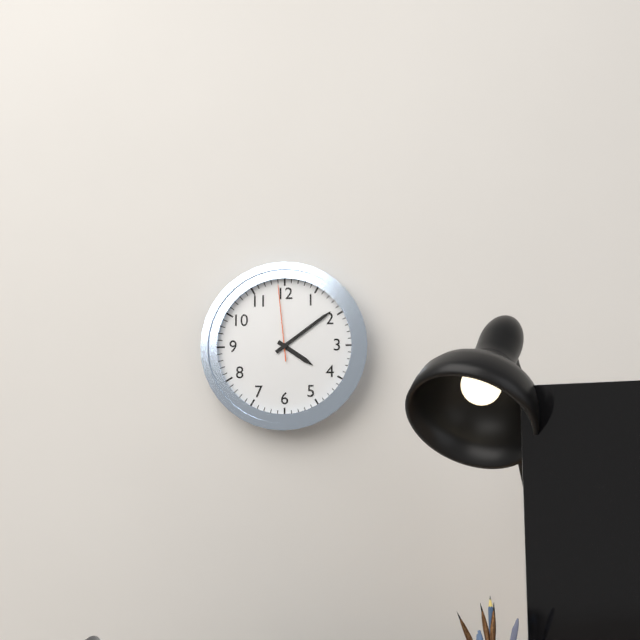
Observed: 4.09.59
